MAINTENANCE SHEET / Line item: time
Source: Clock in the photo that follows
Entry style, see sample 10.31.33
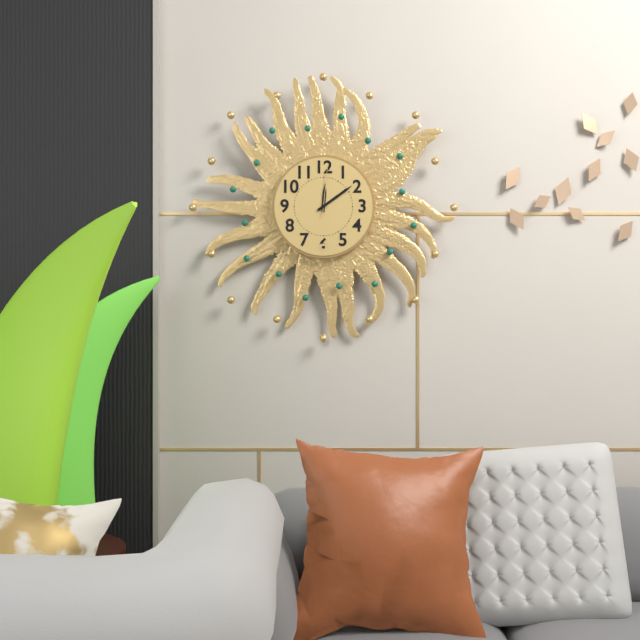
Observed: 12.09.01
